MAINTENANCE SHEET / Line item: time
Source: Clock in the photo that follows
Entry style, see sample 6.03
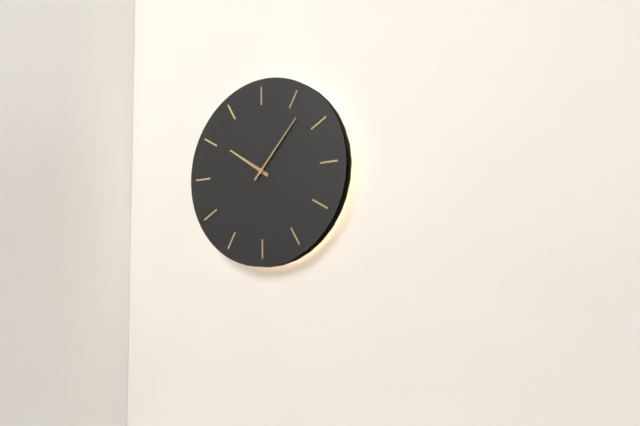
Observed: 10.07
